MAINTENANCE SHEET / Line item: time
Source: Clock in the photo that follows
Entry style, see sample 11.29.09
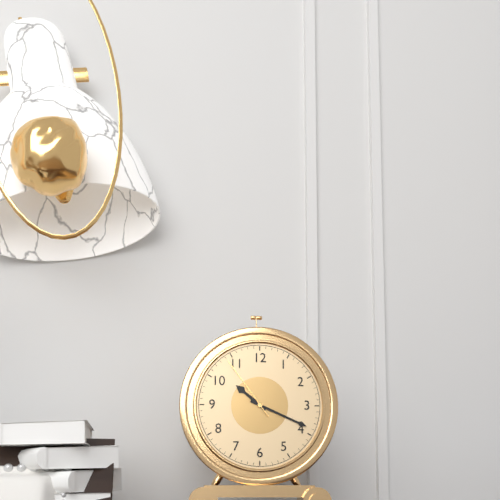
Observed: 10.19.54
